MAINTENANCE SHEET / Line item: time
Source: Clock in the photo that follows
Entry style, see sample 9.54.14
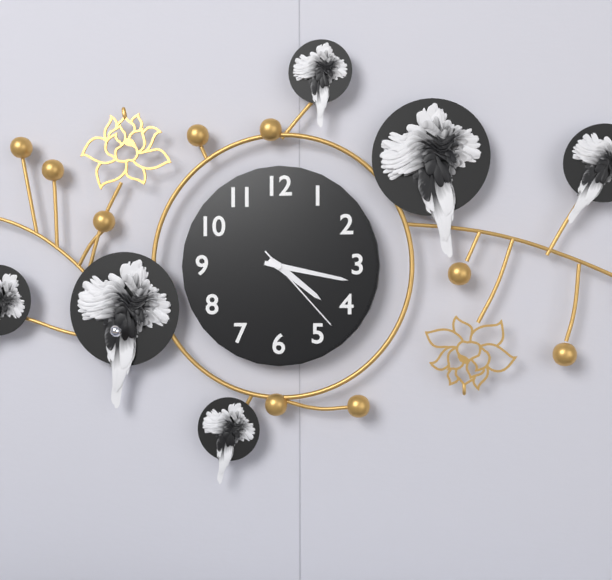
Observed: 4.17.23
